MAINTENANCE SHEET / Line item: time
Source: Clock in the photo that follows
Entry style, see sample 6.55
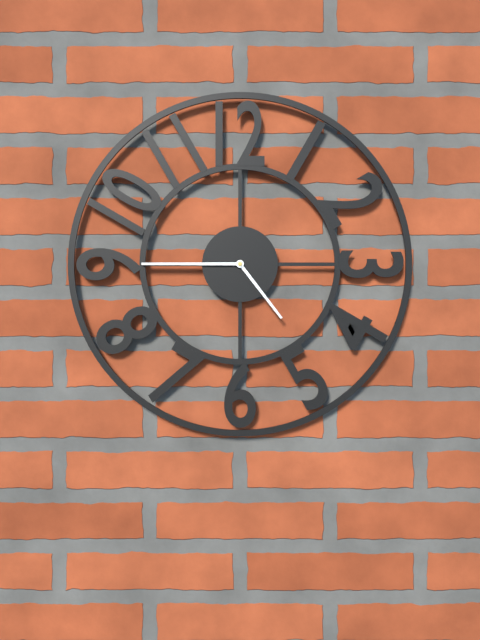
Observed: 4.45
